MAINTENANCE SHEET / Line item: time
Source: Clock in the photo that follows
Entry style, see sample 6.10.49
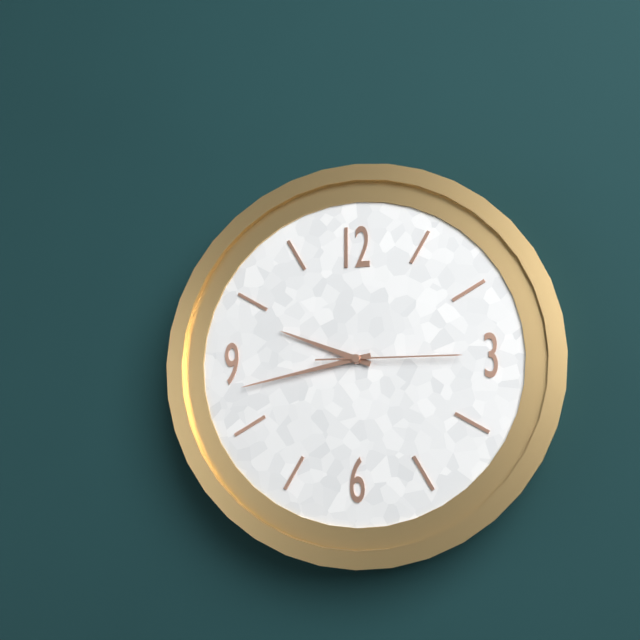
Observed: 9.43.15
